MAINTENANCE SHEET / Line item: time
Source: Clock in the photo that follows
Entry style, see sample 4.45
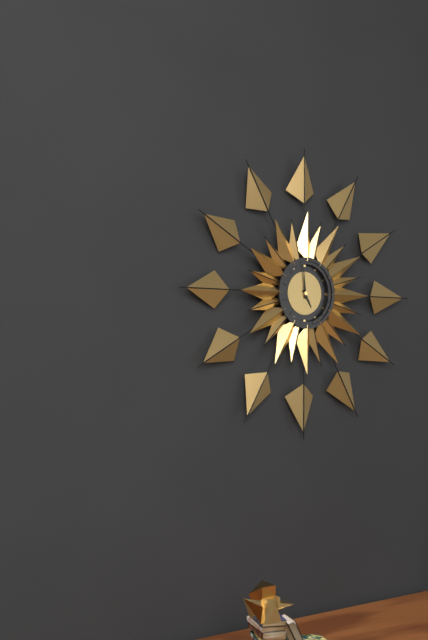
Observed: 4.59
